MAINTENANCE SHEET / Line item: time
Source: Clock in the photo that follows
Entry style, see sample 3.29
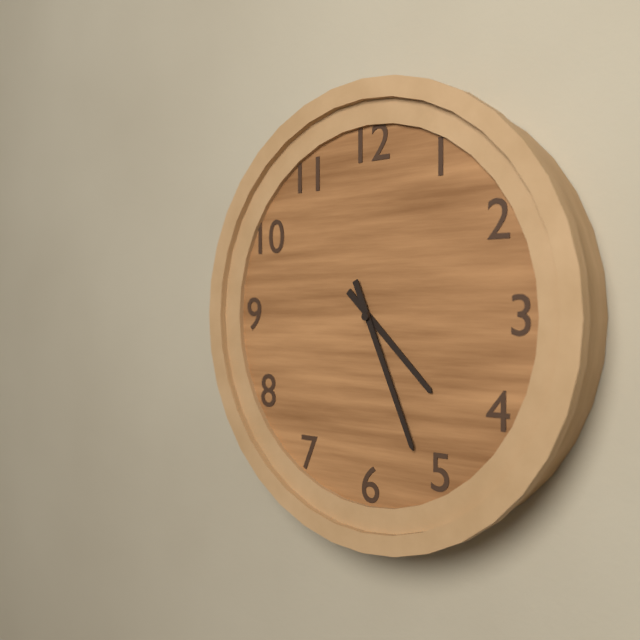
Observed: 4.26
